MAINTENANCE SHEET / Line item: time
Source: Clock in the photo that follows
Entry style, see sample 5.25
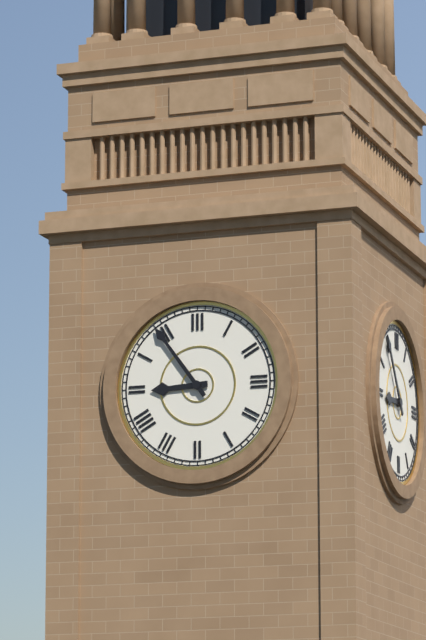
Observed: 8.54
